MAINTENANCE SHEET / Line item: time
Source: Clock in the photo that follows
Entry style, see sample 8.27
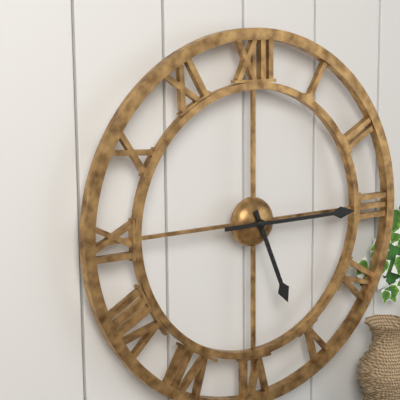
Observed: 5.15
